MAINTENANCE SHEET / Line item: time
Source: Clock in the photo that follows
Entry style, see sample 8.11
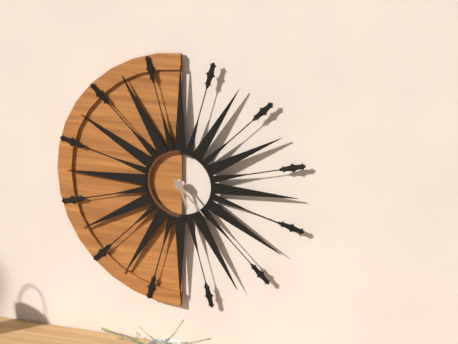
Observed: 5.23
